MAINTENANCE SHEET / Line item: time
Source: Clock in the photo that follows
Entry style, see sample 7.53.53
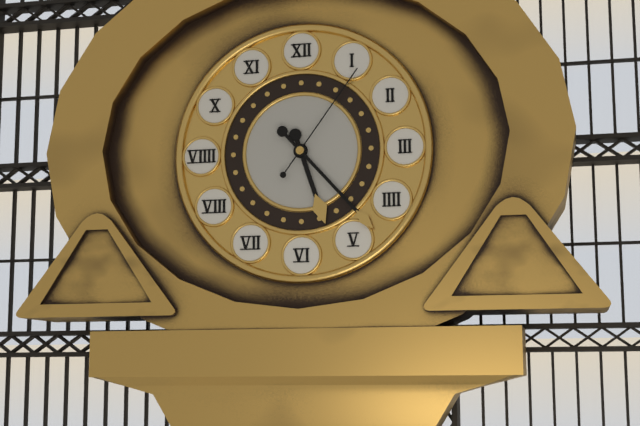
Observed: 5.23.06
